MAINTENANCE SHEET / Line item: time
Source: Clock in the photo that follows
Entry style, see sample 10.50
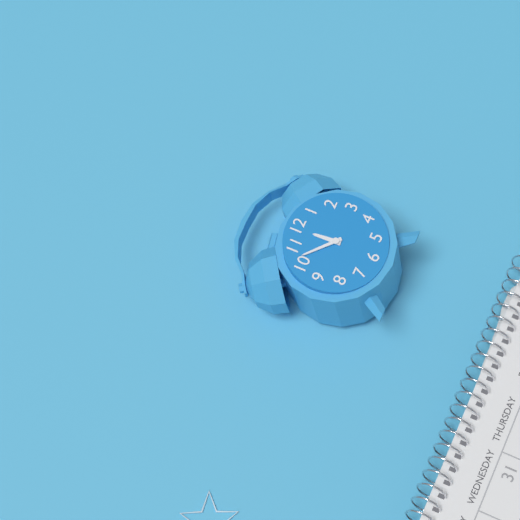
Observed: 11.52
